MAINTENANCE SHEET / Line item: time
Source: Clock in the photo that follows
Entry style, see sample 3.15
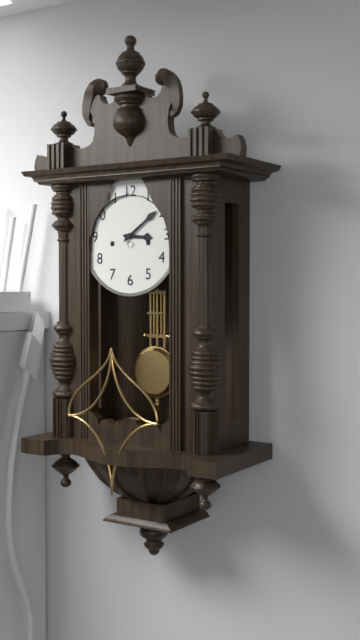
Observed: 3.09
